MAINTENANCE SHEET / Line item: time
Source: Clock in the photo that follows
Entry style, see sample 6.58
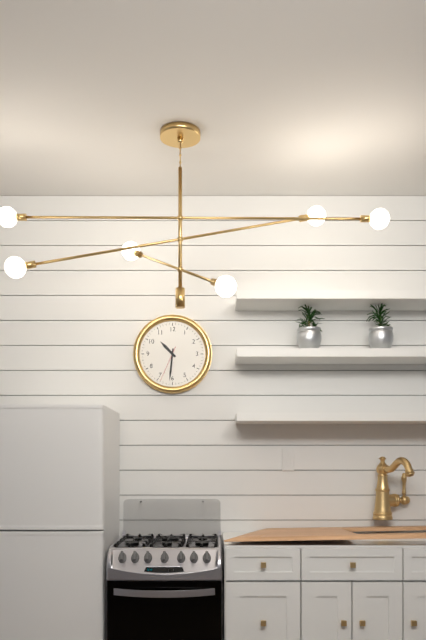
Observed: 10.31
